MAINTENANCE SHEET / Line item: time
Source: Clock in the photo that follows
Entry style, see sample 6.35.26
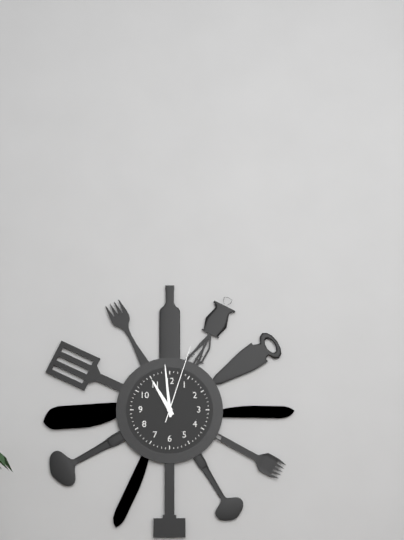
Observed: 10.59.03
